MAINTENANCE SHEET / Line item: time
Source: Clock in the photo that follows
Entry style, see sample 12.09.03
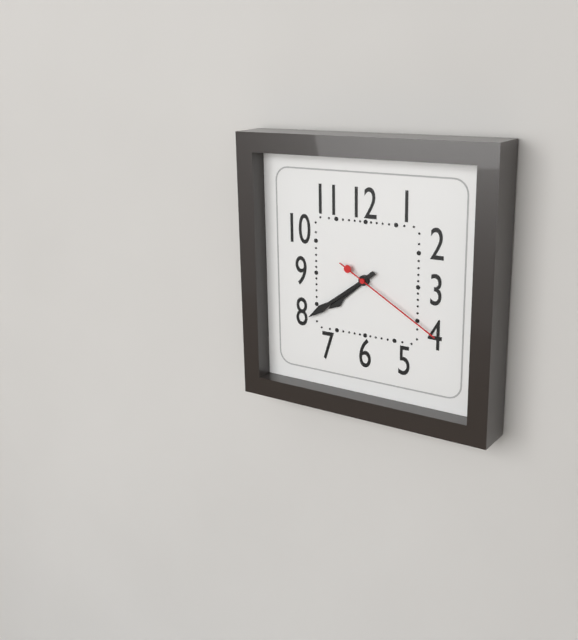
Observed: 7.39.20
